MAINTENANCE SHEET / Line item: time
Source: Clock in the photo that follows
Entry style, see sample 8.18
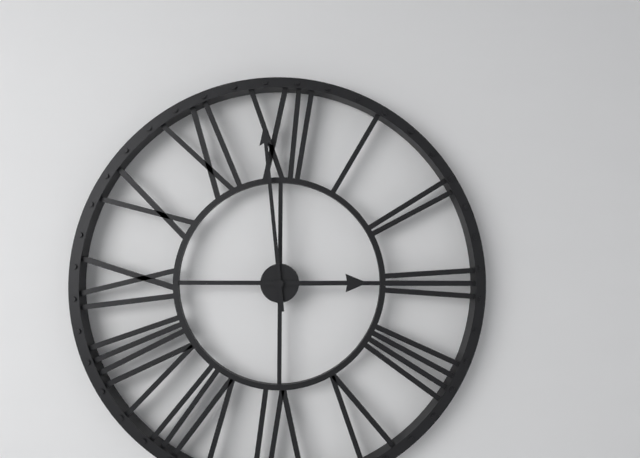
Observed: 2.59
